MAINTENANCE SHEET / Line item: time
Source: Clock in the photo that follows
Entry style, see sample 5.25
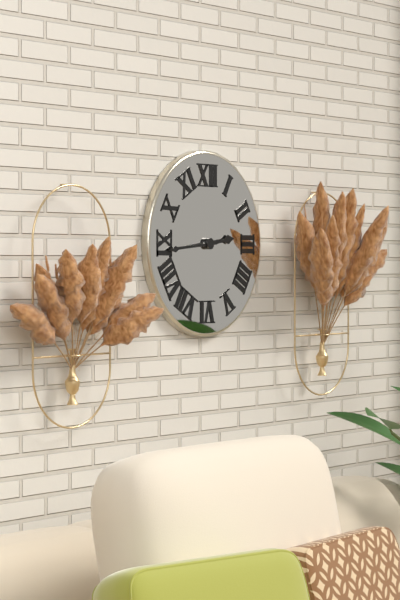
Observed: 2.44
